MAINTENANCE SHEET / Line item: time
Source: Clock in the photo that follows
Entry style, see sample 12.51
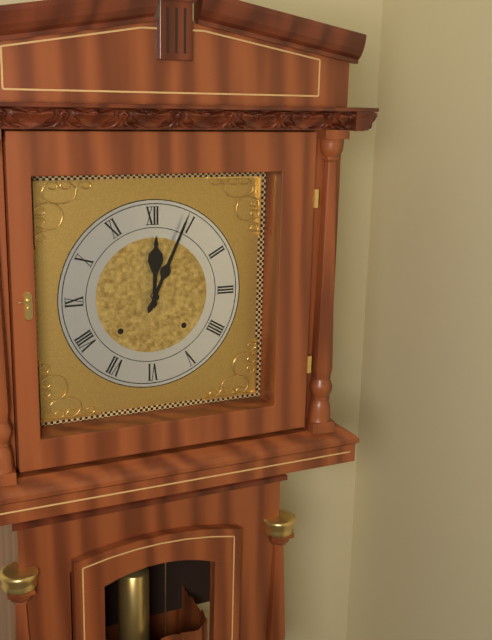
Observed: 12.04
